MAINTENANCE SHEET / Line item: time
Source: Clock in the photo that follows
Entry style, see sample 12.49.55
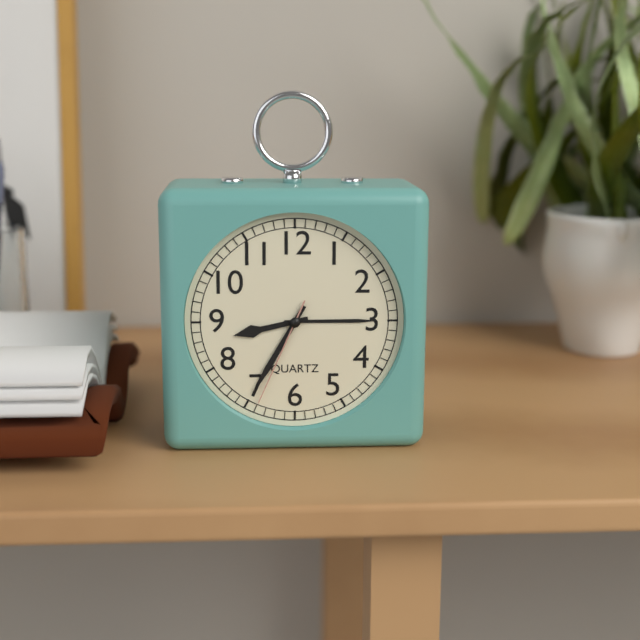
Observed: 8.35.34
